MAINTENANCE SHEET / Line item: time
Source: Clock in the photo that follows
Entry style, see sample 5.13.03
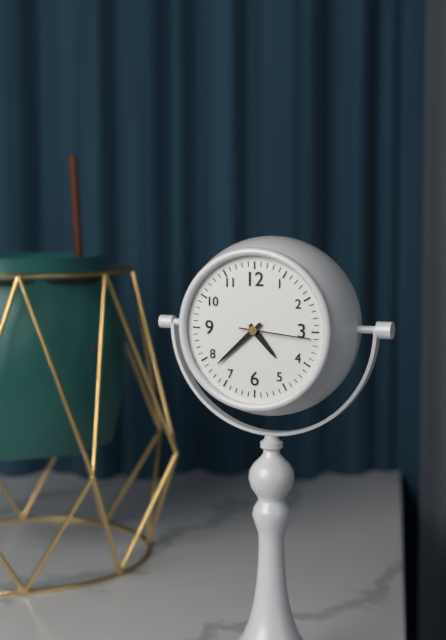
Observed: 4.38.16
